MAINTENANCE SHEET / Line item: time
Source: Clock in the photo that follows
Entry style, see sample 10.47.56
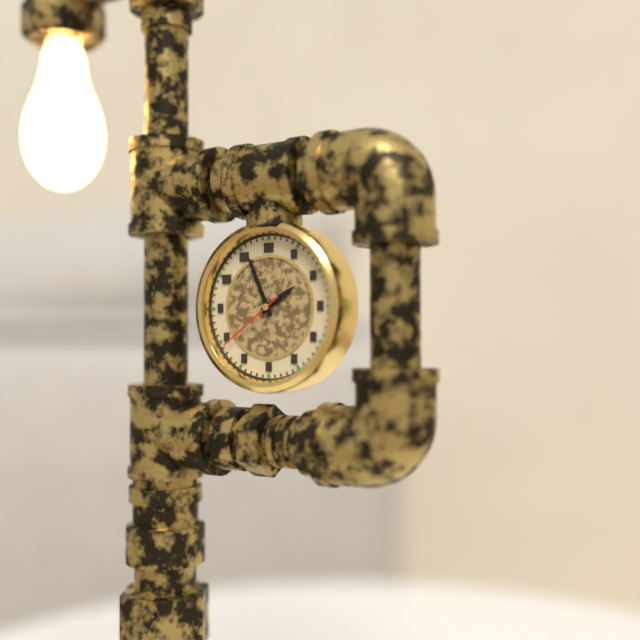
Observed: 1.56.39
